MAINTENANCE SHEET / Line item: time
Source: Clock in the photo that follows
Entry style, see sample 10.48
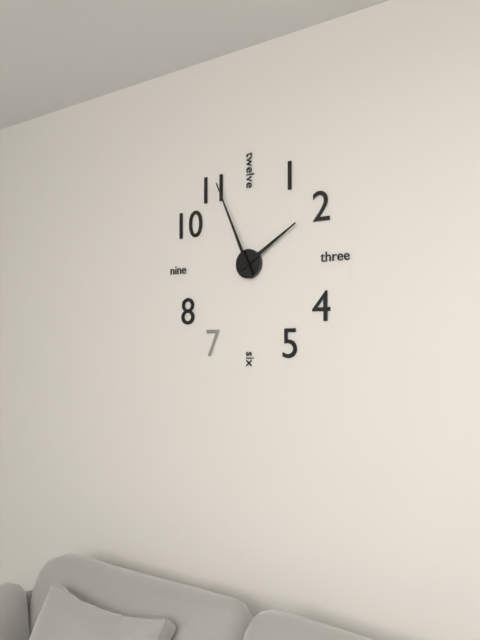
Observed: 1.56
